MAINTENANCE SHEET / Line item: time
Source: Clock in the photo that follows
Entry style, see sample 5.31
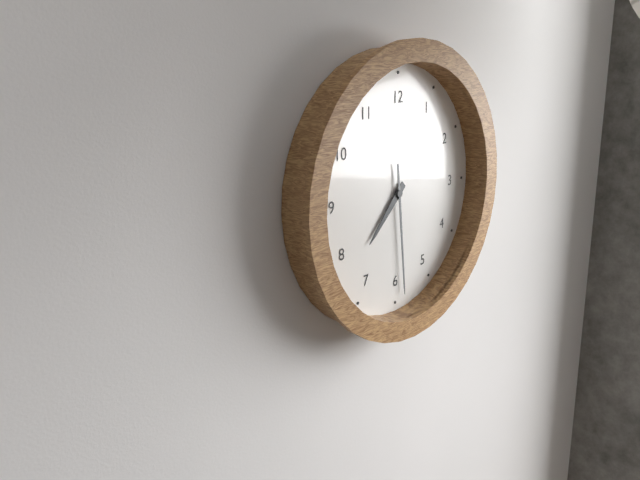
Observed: 7.29
